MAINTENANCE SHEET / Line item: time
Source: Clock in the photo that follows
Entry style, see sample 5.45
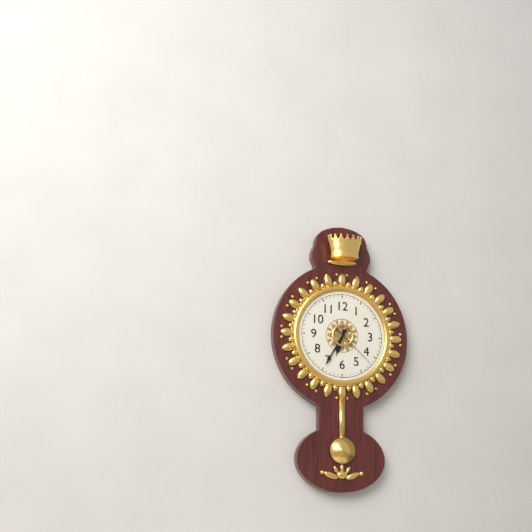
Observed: 6.35
